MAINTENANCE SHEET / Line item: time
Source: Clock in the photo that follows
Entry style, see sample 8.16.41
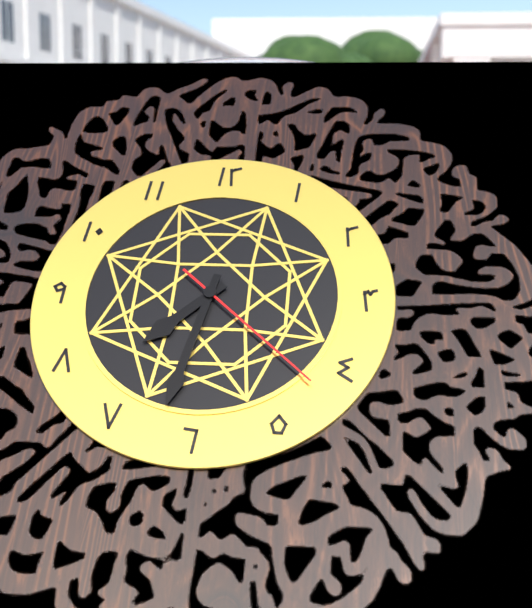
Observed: 7.32.22
